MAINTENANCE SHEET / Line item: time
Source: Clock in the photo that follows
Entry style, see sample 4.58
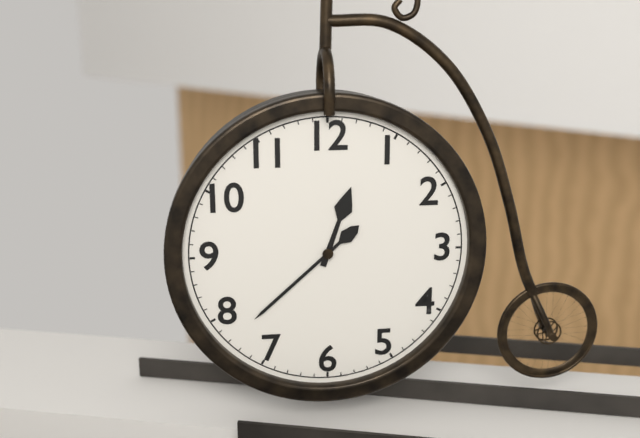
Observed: 12.38
